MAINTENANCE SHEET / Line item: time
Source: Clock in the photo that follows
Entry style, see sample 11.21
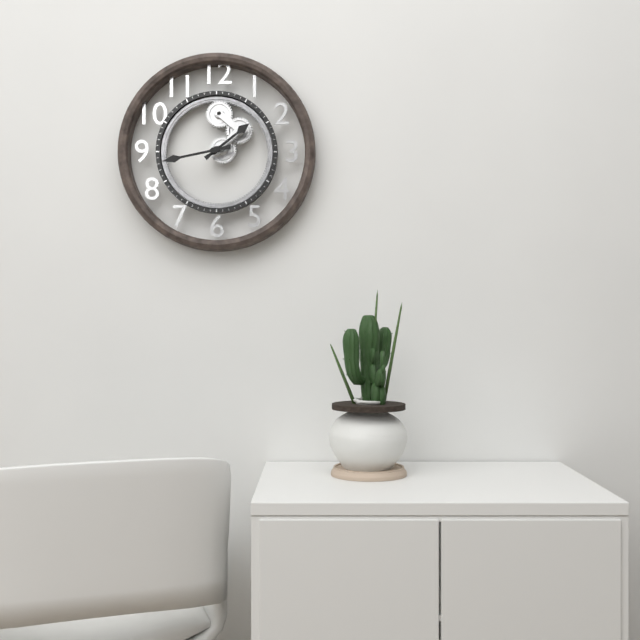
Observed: 1.43
